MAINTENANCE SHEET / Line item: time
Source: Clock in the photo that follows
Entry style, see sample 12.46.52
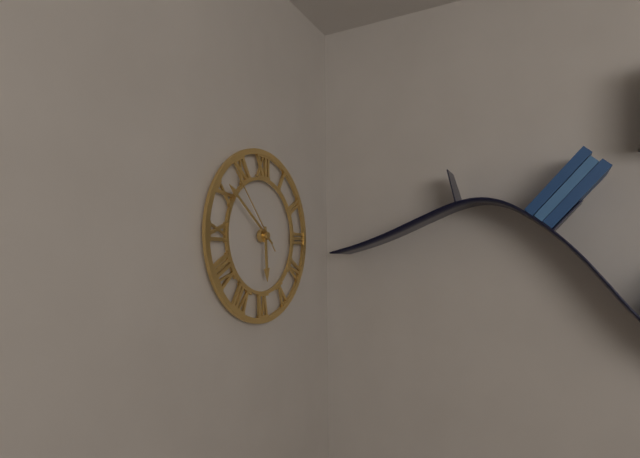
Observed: 5.51.53
